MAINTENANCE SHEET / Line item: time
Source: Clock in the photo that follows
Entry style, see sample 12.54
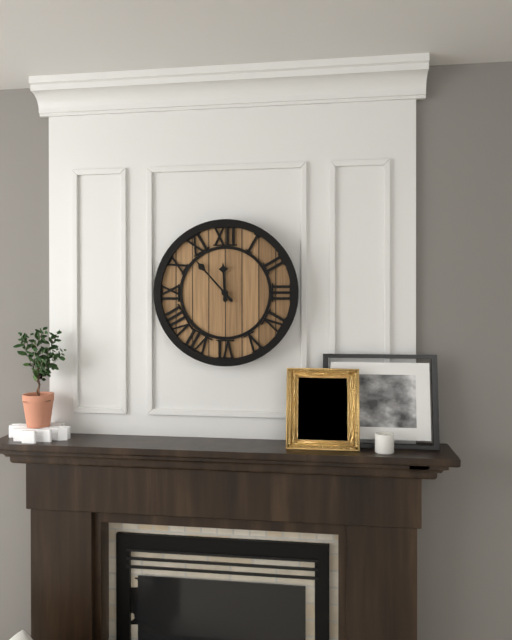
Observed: 11.53
